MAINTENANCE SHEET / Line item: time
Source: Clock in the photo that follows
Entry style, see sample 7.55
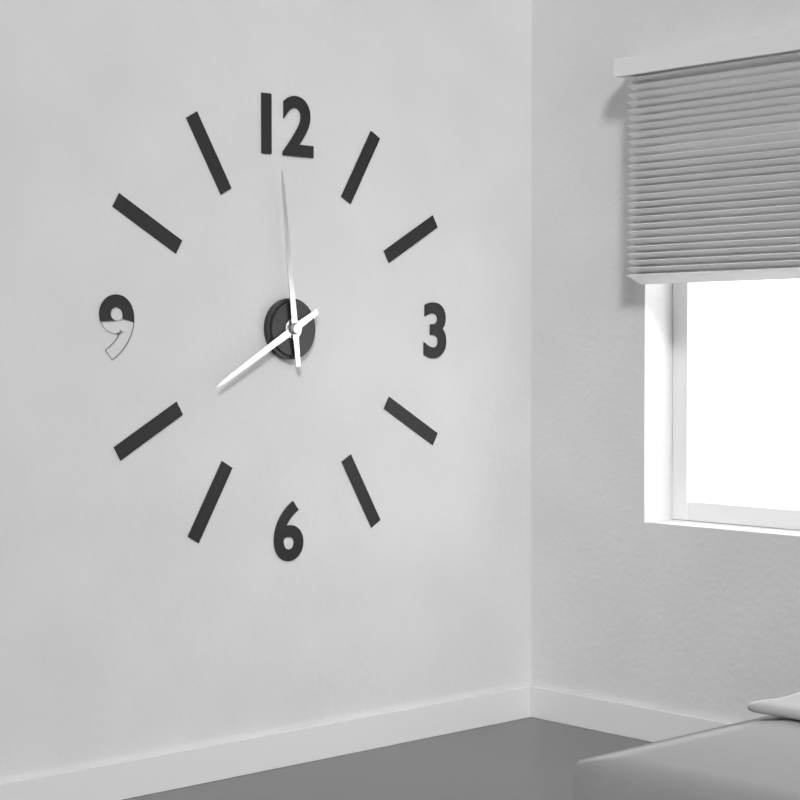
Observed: 7.59
